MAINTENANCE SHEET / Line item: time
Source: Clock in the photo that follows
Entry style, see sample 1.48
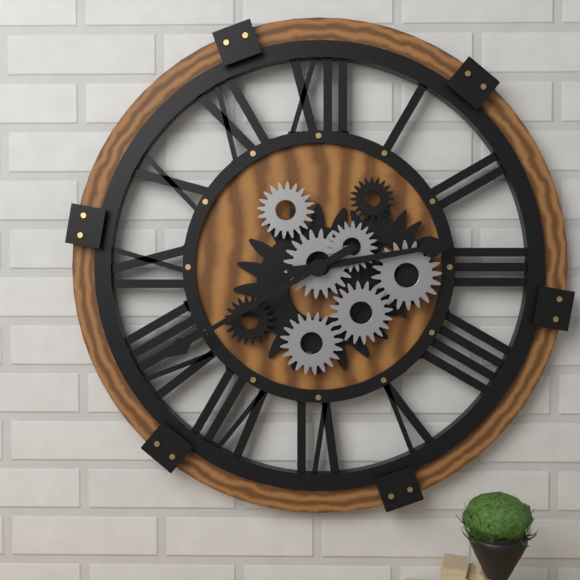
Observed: 2.40
